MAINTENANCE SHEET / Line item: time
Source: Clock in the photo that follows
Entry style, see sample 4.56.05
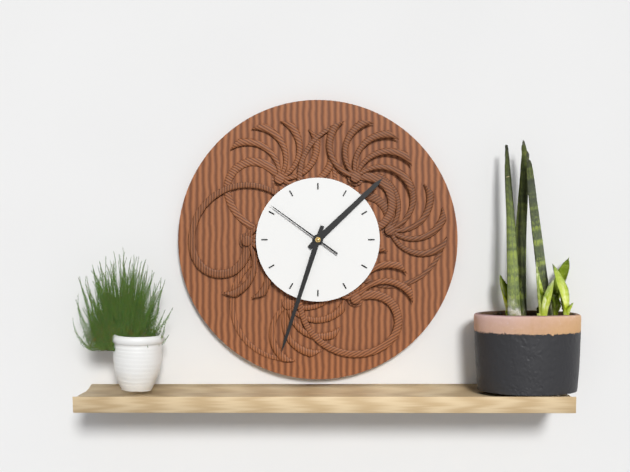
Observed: 1.33.51
